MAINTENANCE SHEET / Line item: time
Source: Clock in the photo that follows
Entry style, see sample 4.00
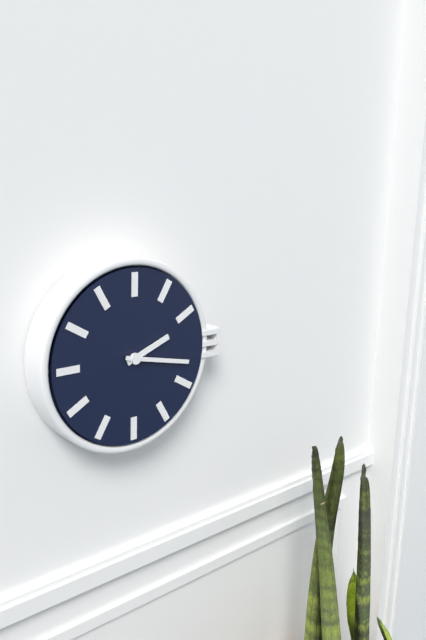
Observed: 2.17
